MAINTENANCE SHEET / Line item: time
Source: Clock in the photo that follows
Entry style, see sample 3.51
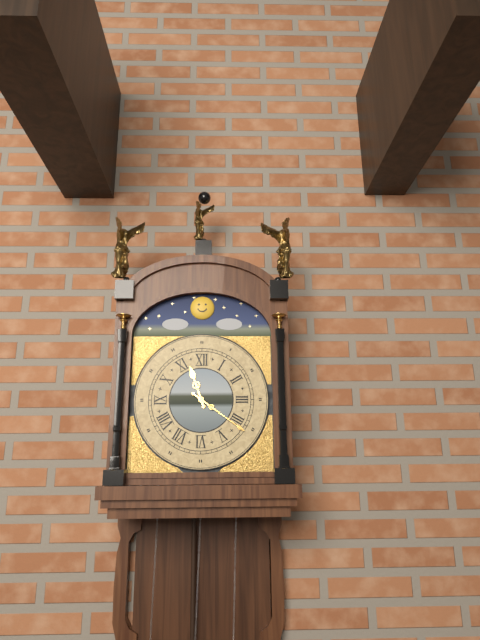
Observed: 11.21
